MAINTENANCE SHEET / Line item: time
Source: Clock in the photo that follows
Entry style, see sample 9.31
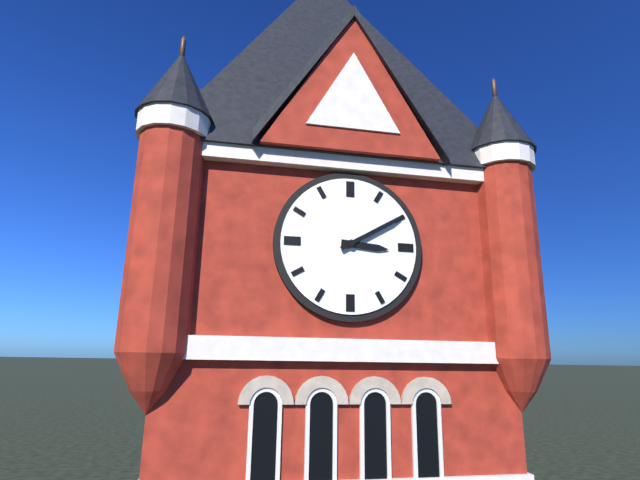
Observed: 3.10
